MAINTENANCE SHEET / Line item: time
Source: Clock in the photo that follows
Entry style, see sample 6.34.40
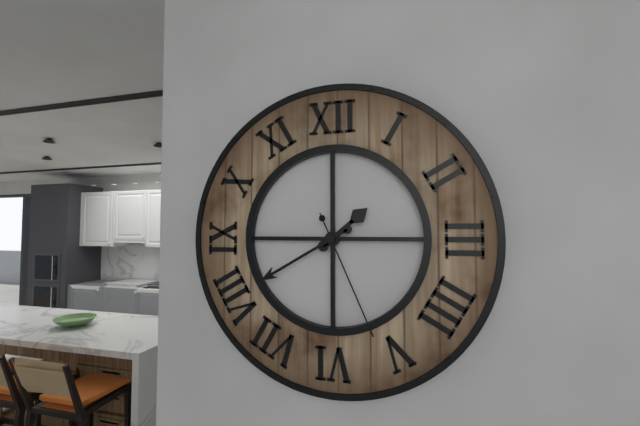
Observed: 1.40.26
